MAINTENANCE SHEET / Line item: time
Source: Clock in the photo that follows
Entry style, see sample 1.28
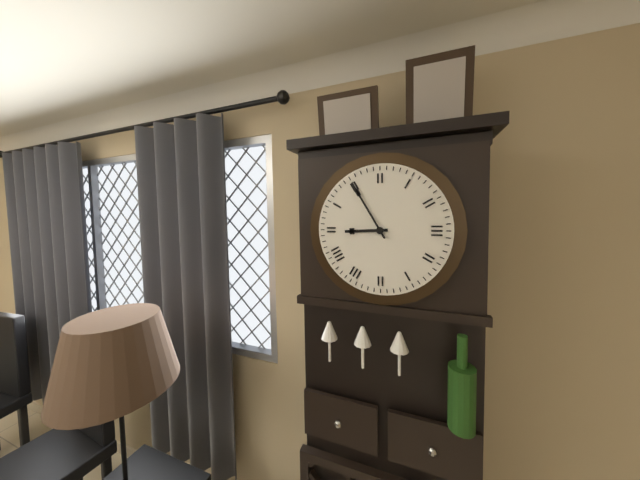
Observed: 8.55
